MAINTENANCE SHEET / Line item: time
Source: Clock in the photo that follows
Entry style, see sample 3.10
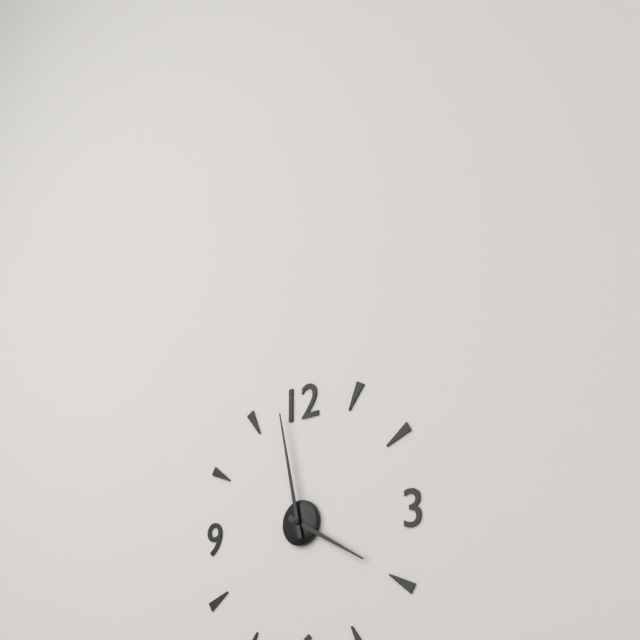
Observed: 3.58
